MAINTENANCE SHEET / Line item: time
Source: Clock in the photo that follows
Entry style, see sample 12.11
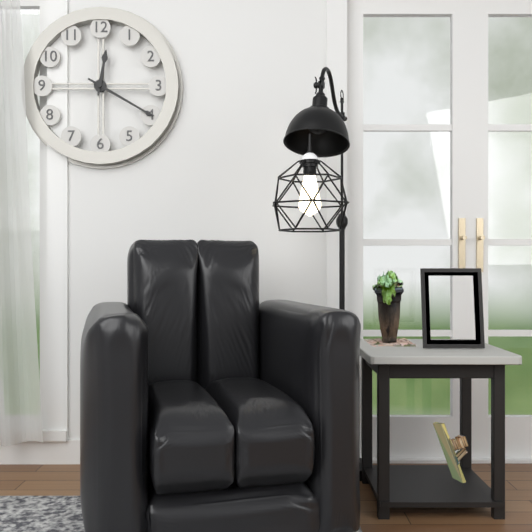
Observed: 12.20
